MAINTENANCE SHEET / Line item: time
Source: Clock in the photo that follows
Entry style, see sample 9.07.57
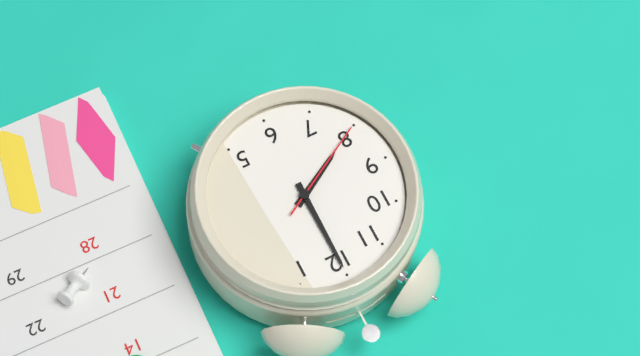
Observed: 8.00.40
